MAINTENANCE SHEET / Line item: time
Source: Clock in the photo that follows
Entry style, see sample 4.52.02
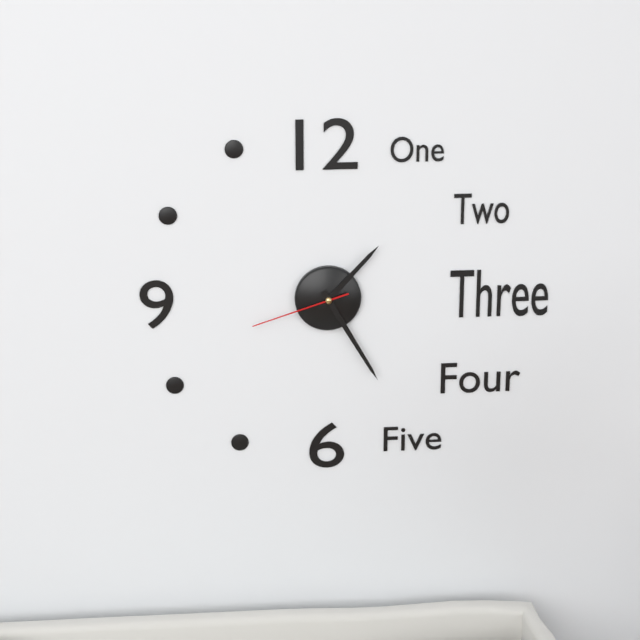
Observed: 1.25.42
